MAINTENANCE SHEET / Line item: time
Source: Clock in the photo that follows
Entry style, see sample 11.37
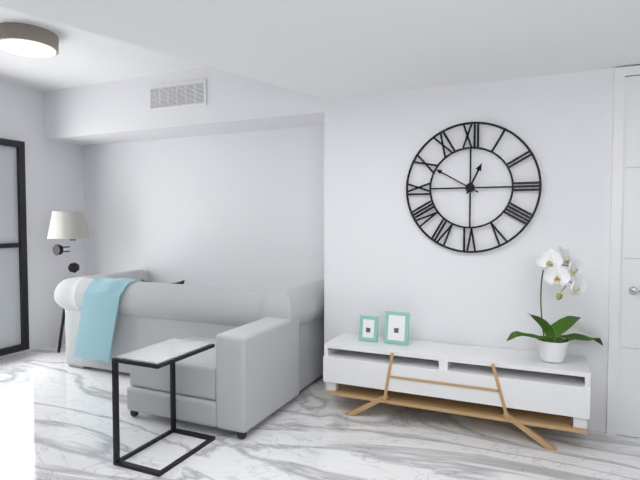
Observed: 12.50
